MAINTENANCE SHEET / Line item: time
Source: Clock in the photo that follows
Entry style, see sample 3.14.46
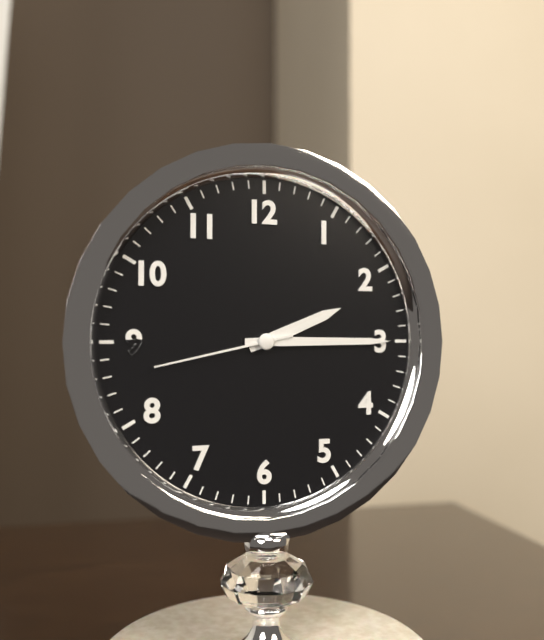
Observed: 2.15.43
